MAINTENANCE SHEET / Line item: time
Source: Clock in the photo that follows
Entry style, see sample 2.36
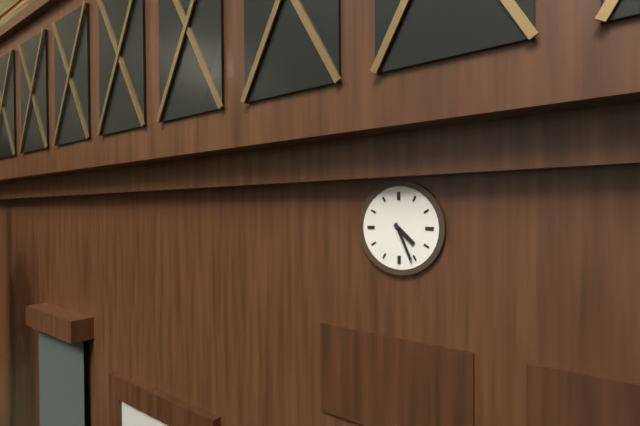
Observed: 4.26
